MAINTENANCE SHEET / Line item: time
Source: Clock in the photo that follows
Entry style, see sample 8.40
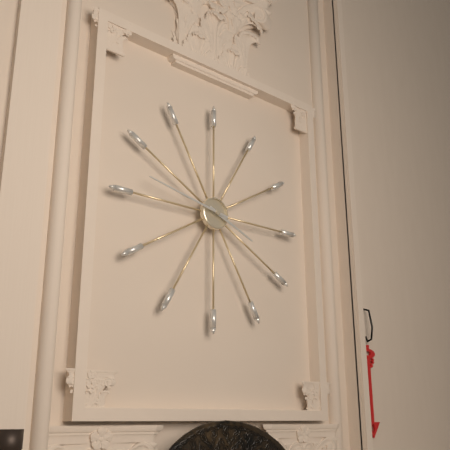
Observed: 3.47
